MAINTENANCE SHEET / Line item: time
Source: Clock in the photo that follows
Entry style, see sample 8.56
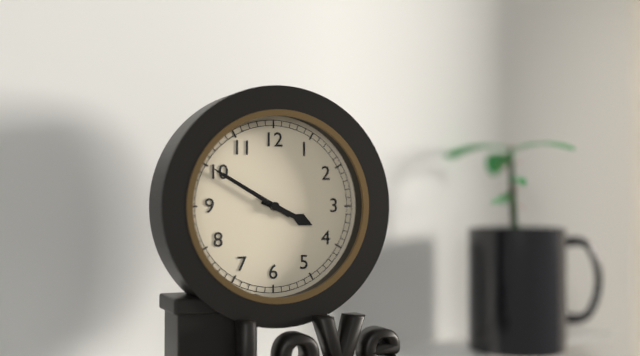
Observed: 3.50
